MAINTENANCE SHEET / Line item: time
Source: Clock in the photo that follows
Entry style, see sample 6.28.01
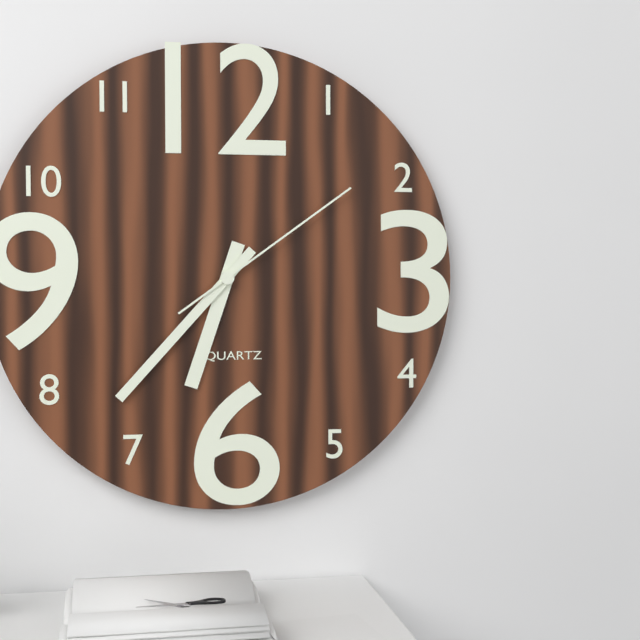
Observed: 6.37.09
